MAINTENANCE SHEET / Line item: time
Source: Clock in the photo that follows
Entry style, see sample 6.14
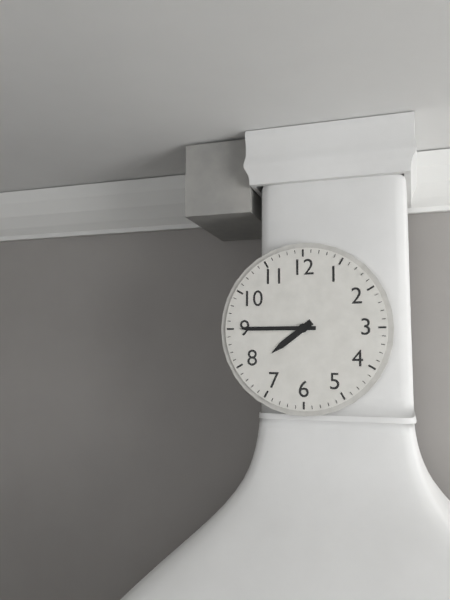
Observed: 7.45
